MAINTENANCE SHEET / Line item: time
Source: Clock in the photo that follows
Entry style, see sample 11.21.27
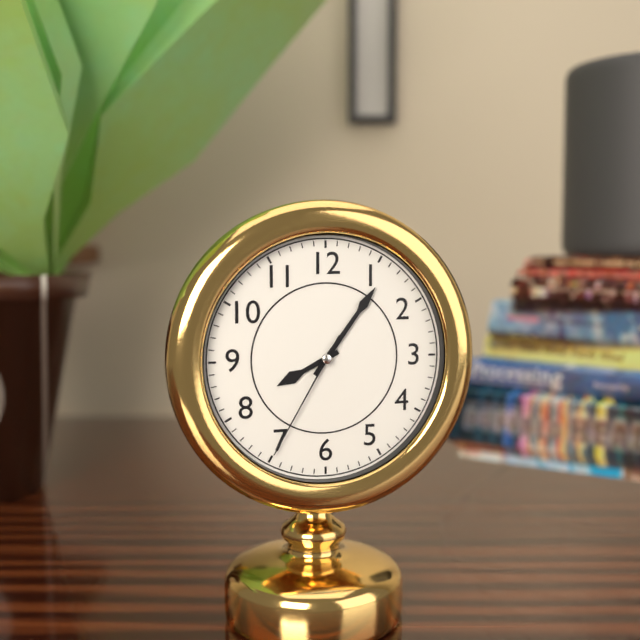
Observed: 8.06.35
